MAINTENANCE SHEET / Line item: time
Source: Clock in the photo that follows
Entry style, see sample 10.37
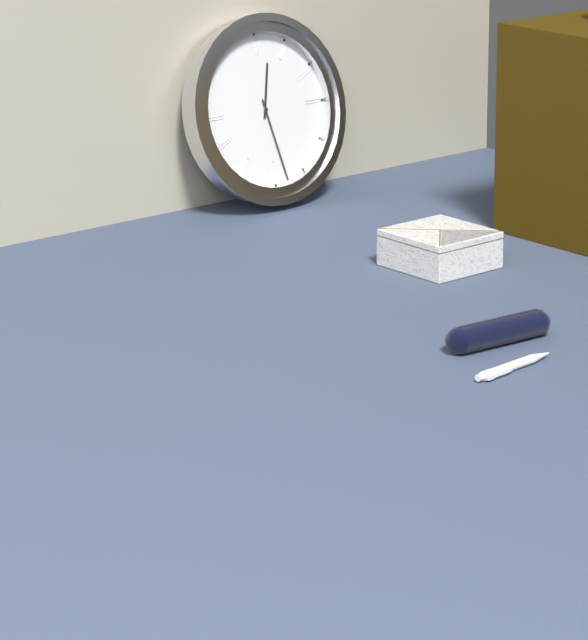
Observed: 12.28
